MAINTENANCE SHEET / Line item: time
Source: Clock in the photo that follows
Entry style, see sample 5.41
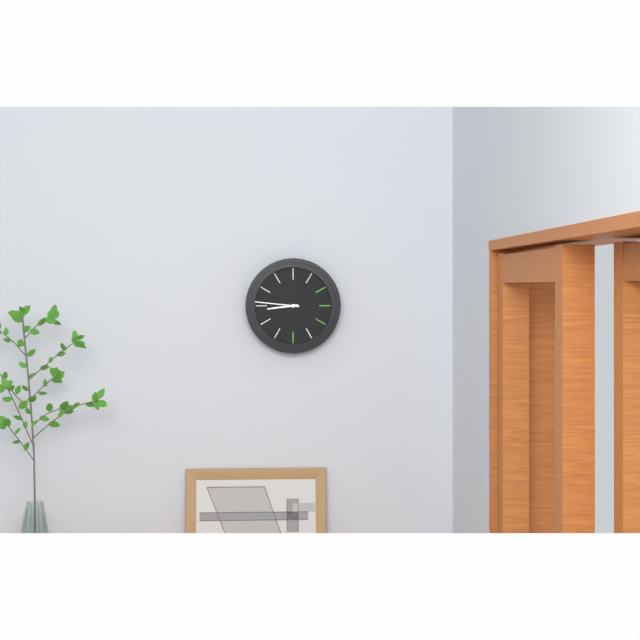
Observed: 8.46
